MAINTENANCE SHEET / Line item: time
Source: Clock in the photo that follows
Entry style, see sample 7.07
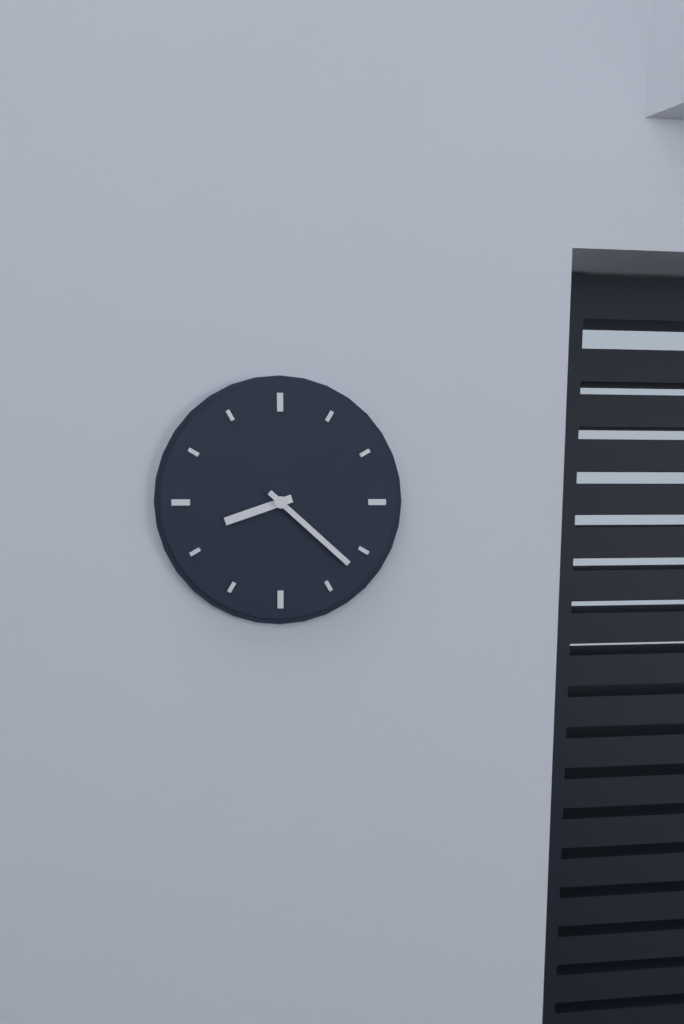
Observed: 8.22
